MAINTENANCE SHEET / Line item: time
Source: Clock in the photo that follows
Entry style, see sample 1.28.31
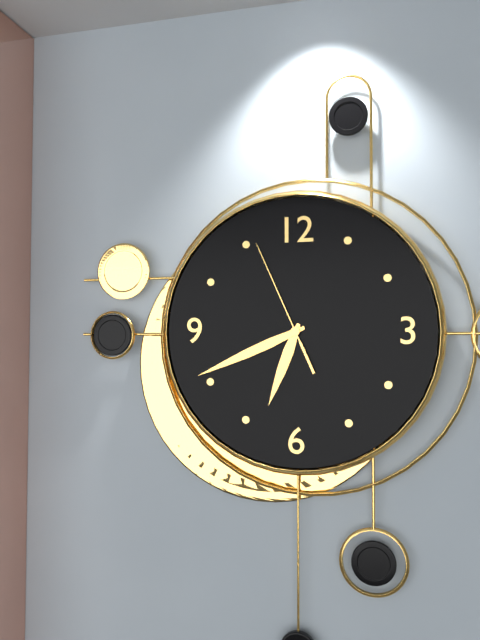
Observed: 6.41.56
